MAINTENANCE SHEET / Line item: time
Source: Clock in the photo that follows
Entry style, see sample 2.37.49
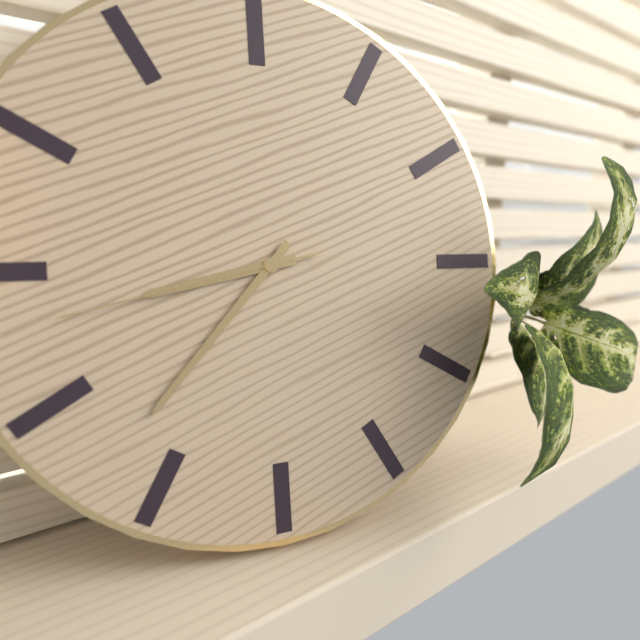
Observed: 8.37.43
